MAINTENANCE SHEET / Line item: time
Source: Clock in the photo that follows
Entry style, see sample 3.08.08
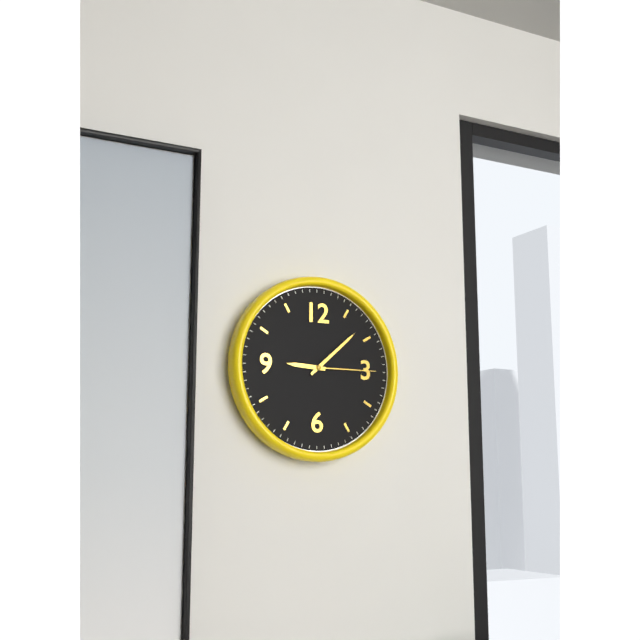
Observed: 9.08.15
